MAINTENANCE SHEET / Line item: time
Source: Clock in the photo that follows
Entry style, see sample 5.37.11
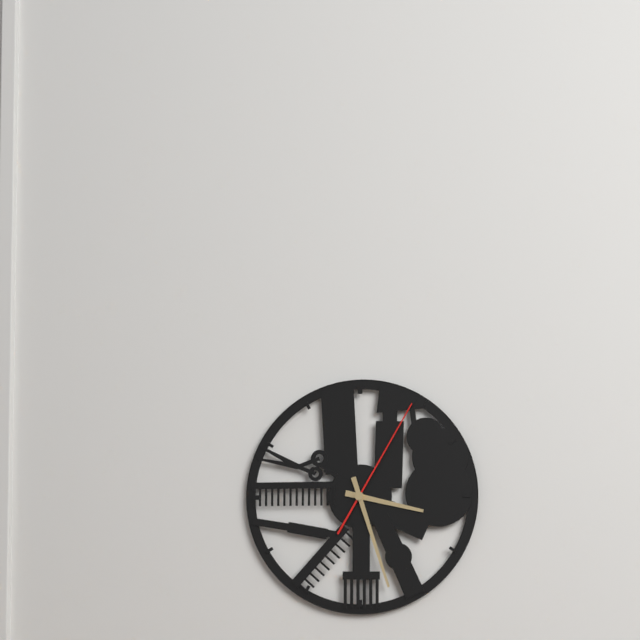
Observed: 3.27.05
